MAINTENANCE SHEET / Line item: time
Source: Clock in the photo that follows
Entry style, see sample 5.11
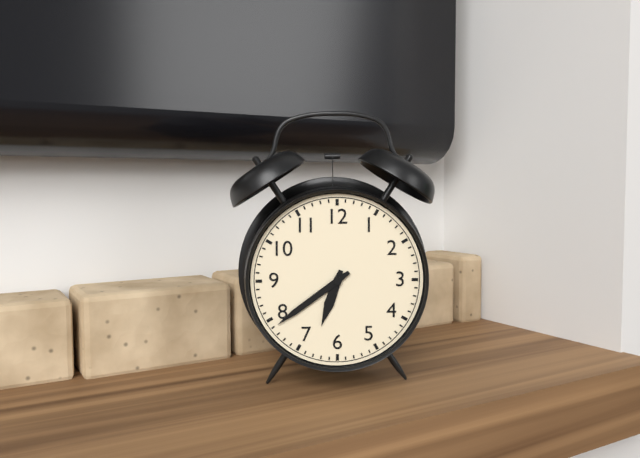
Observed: 6.39
